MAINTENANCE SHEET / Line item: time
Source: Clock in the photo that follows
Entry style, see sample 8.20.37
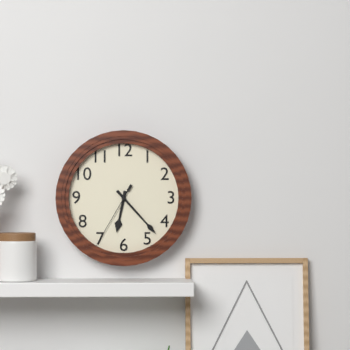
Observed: 6.23.35
